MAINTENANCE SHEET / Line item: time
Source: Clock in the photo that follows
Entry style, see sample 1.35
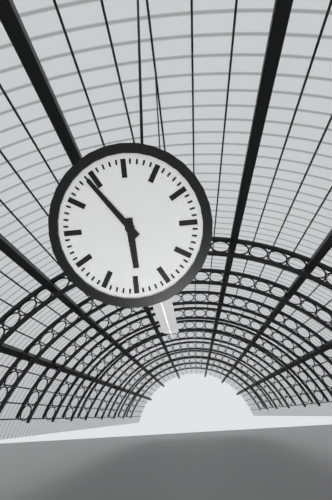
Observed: 5.54
